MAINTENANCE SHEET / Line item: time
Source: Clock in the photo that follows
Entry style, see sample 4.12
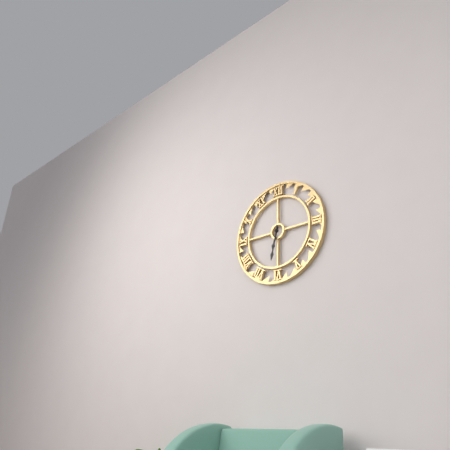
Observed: 6.32
